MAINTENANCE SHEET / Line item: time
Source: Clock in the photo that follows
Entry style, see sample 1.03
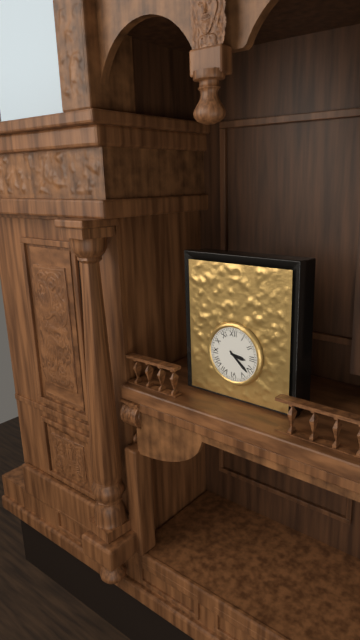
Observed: 3.22
